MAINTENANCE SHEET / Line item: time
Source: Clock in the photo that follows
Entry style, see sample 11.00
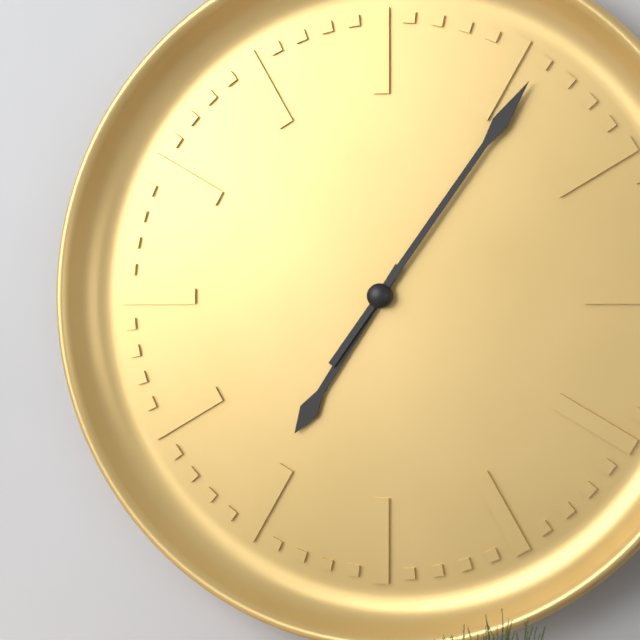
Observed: 7.06
